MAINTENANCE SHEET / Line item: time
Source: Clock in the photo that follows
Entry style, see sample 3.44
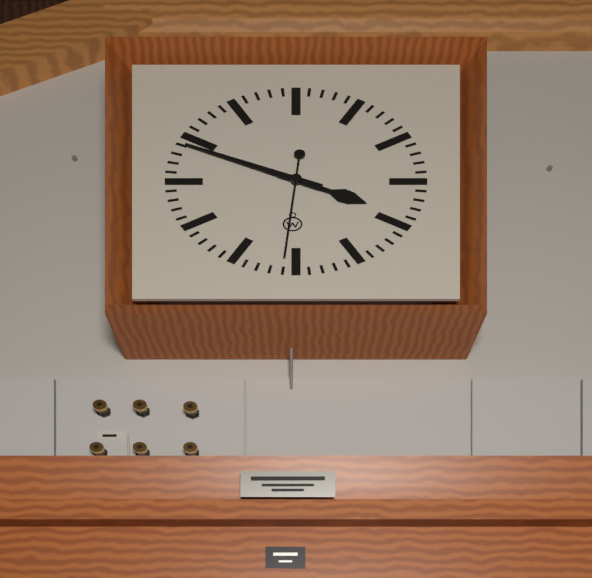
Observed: 3.49
